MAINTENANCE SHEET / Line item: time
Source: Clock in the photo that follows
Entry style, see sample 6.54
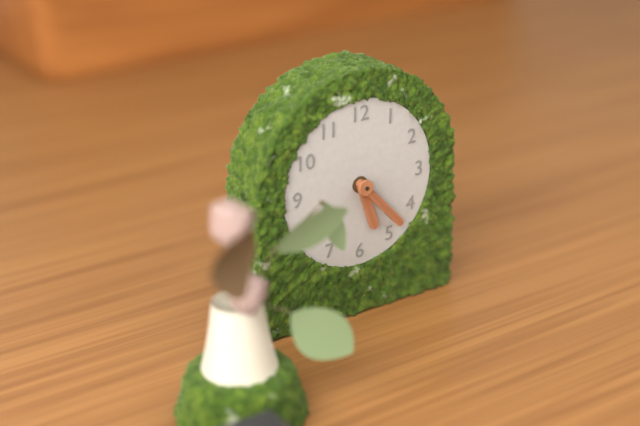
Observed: 5.23
